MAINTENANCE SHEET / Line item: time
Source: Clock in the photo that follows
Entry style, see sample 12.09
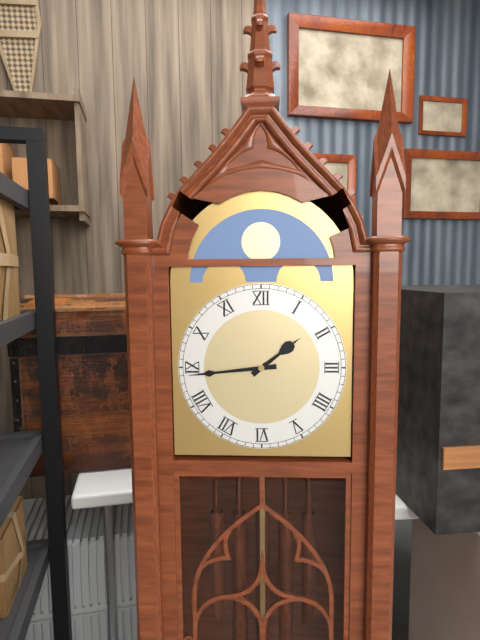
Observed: 1.44
